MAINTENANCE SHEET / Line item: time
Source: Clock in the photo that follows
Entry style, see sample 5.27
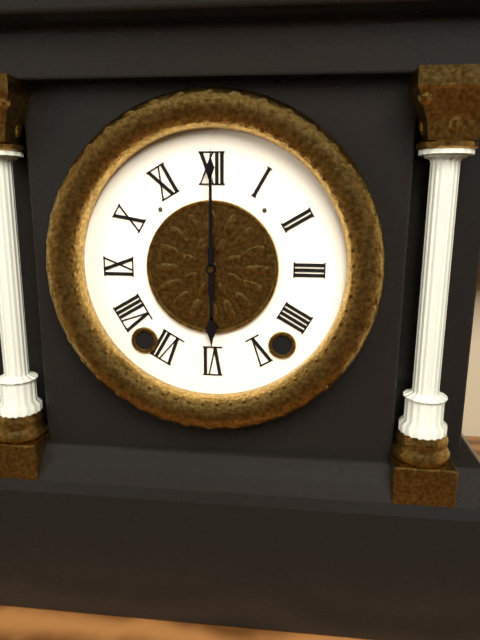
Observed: 6.00
